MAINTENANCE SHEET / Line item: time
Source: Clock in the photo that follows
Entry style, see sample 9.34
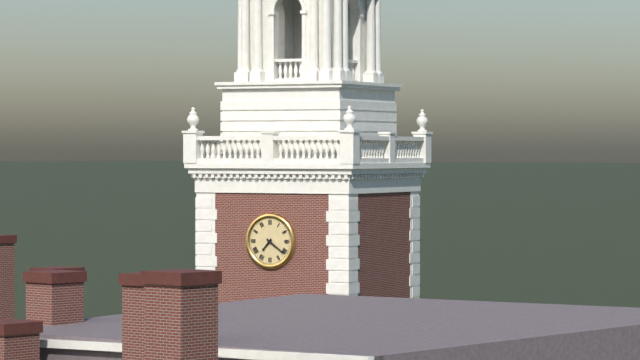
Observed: 7.21
